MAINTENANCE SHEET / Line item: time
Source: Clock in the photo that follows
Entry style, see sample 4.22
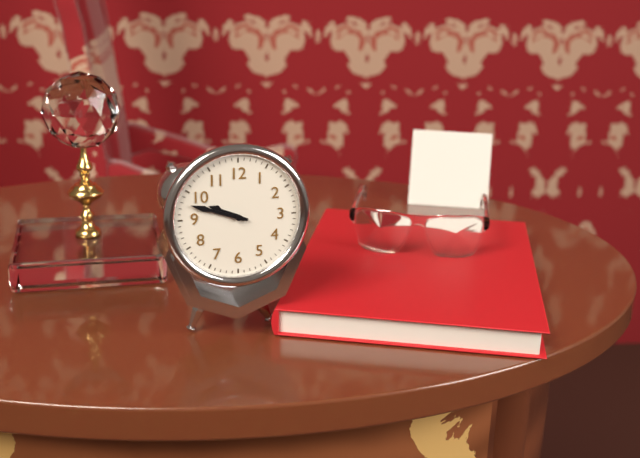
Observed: 9.48
